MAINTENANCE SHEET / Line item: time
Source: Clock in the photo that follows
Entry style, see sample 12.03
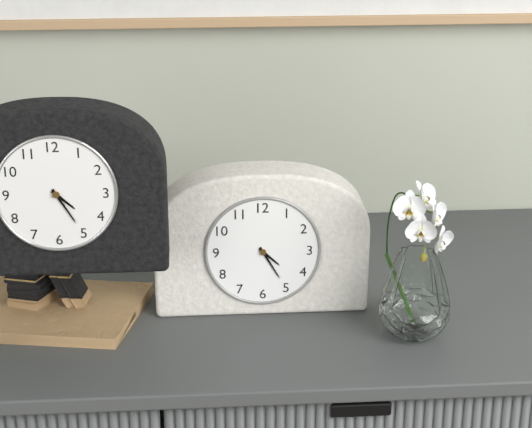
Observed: 4.25
